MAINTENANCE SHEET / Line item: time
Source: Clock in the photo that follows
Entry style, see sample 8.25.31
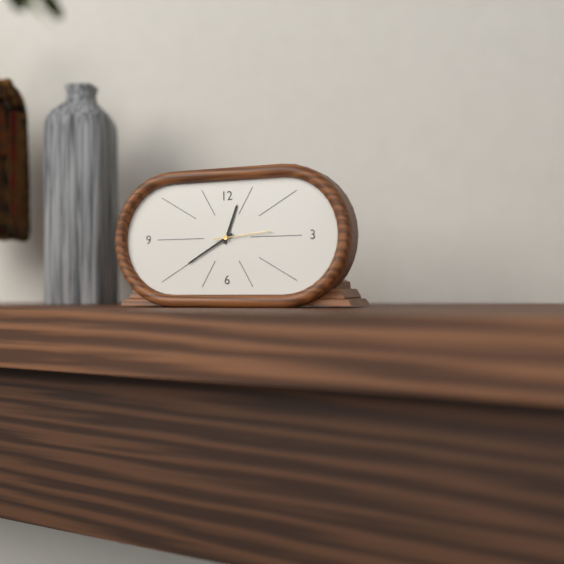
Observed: 12.40.14
